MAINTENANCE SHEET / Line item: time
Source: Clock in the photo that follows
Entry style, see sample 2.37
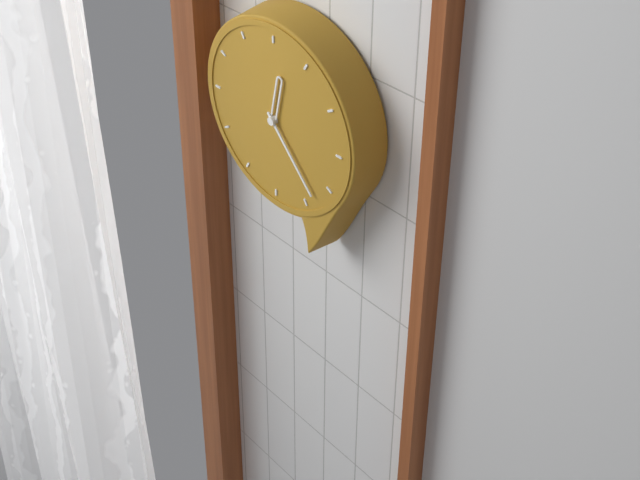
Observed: 12.23
